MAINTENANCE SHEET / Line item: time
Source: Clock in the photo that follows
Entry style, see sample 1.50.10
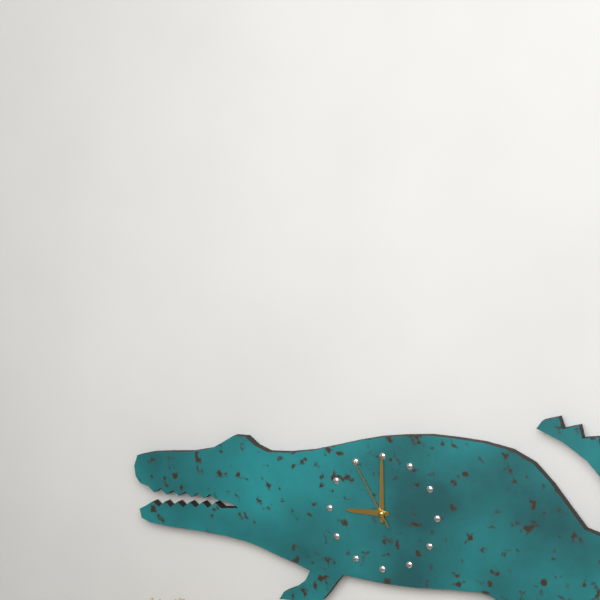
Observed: 9.00.55
